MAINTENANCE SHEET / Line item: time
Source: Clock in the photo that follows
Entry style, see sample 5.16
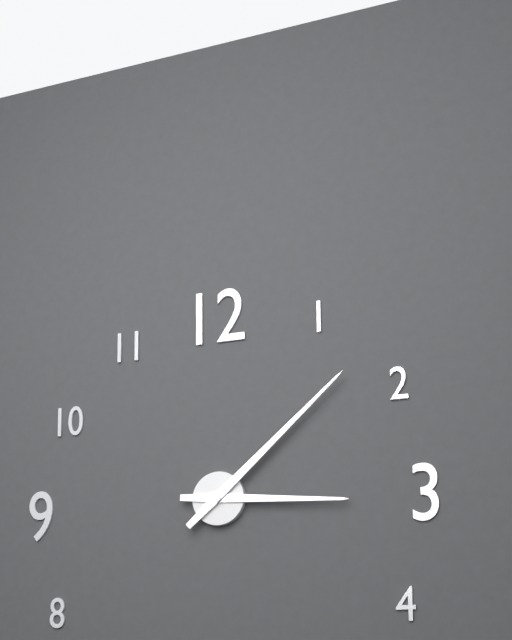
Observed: 3.08
